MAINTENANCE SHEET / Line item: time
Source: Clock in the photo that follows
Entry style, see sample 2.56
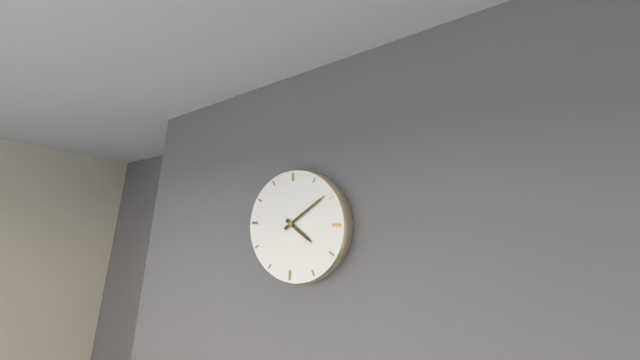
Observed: 4.09
